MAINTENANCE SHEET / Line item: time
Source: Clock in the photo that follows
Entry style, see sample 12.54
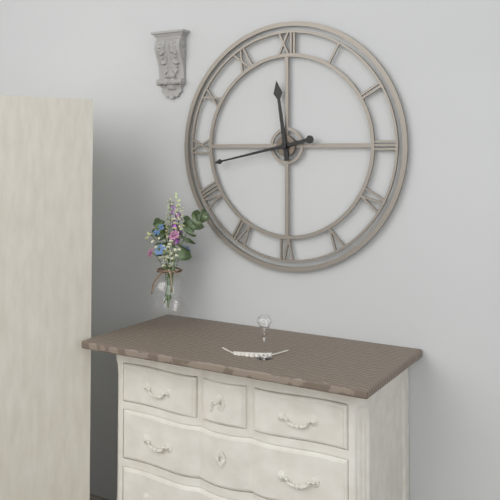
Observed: 11.43
